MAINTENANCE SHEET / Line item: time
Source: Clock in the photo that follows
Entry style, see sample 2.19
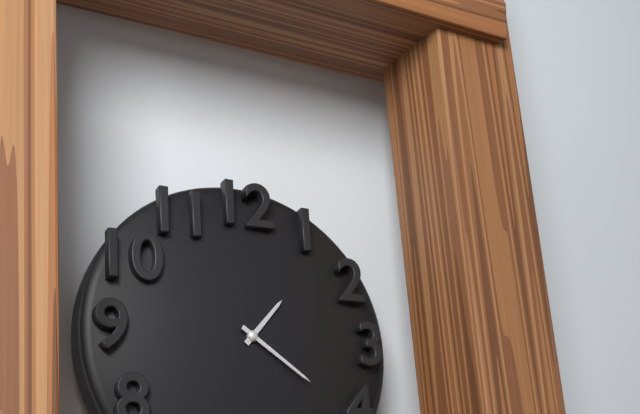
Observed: 1.21
